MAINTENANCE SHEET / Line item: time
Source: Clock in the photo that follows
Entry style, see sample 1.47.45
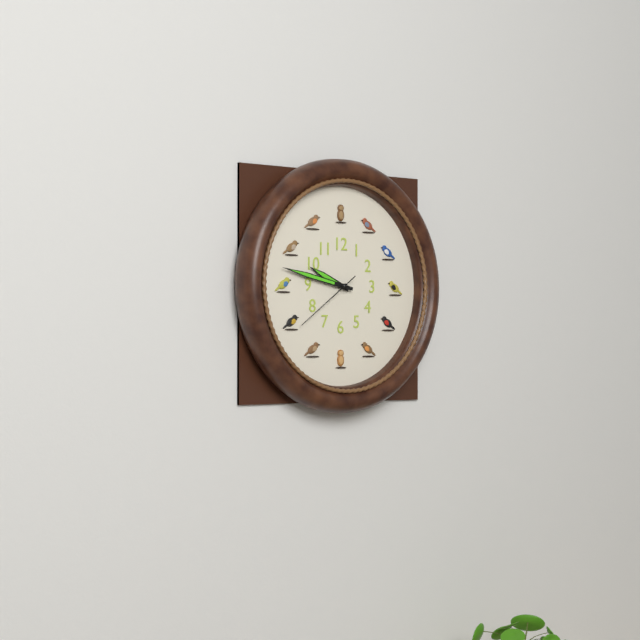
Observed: 9.47.39
